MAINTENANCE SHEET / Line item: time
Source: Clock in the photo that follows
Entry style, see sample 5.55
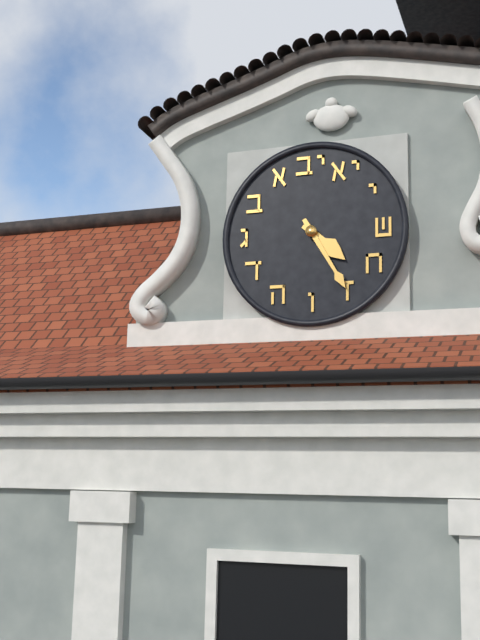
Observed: 4.25
